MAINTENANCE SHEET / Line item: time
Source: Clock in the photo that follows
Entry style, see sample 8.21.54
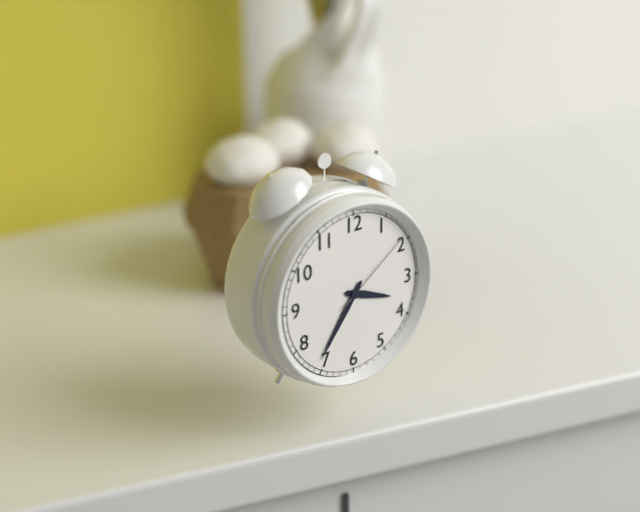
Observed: 3.36.09
